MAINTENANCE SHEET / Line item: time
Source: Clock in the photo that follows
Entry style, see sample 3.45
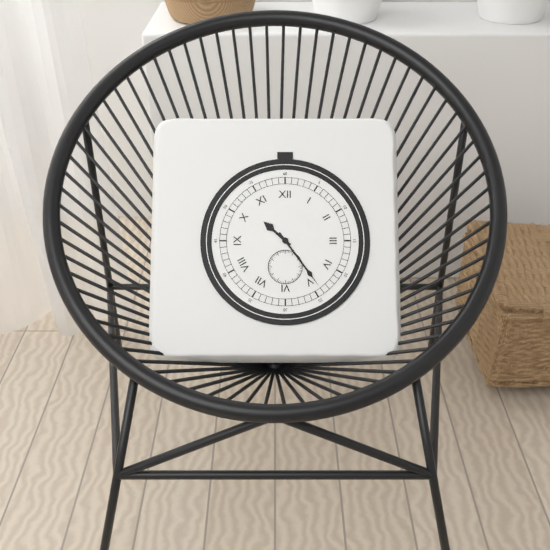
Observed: 10.24
